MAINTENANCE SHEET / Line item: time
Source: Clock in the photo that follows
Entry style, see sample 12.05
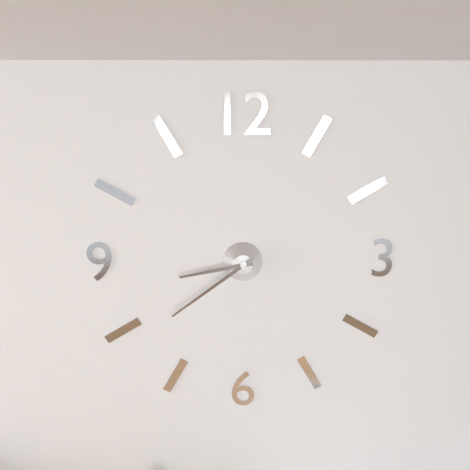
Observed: 8.39
